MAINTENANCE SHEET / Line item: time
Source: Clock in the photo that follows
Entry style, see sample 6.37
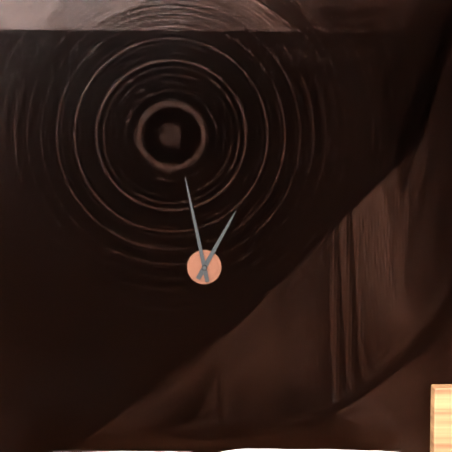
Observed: 12.58
